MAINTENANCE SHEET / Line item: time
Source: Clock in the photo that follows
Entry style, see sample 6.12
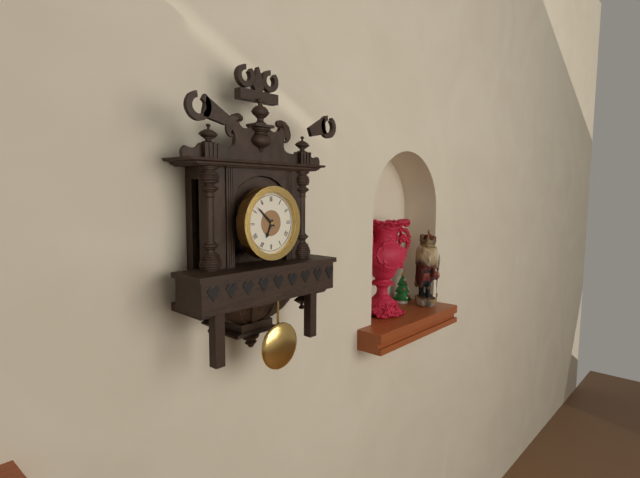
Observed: 6.52
